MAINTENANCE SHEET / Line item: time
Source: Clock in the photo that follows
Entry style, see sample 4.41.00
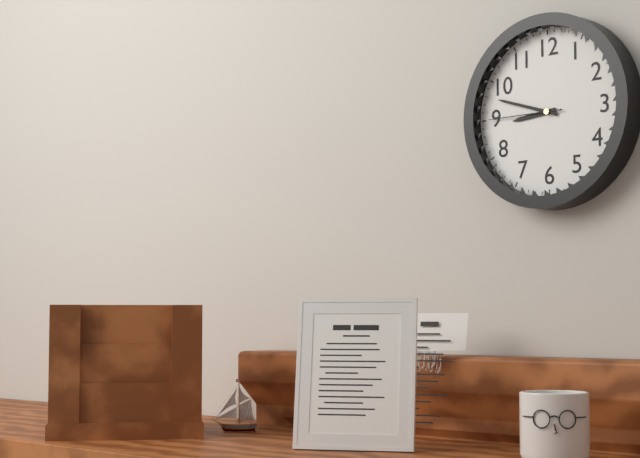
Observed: 8.48.45
